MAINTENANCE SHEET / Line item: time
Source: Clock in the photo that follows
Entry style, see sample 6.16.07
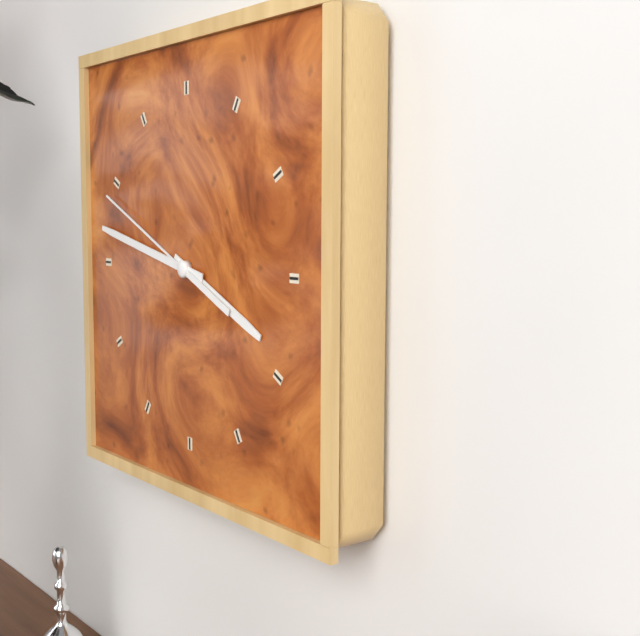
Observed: 3.47.49
